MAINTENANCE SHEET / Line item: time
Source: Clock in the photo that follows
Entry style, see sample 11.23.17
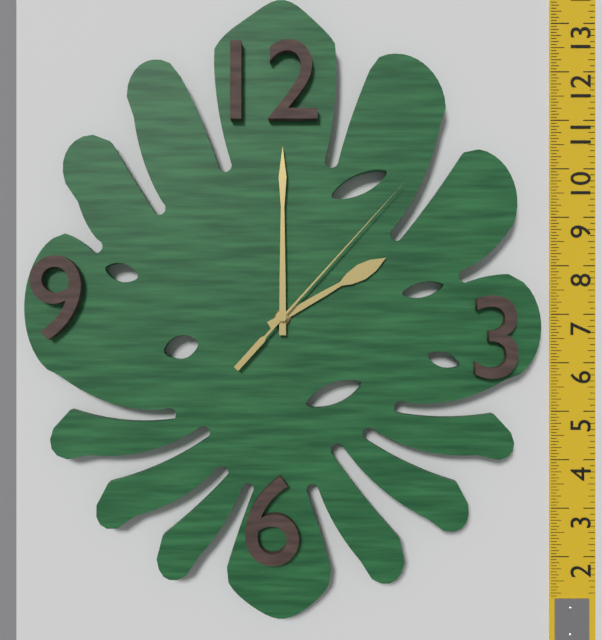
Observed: 2.00.07
